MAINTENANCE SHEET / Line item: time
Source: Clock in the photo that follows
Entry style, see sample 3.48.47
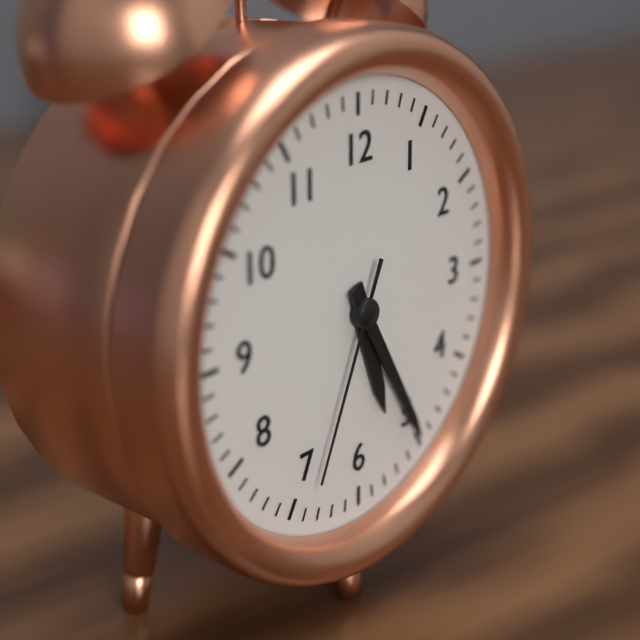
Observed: 5.25.34
